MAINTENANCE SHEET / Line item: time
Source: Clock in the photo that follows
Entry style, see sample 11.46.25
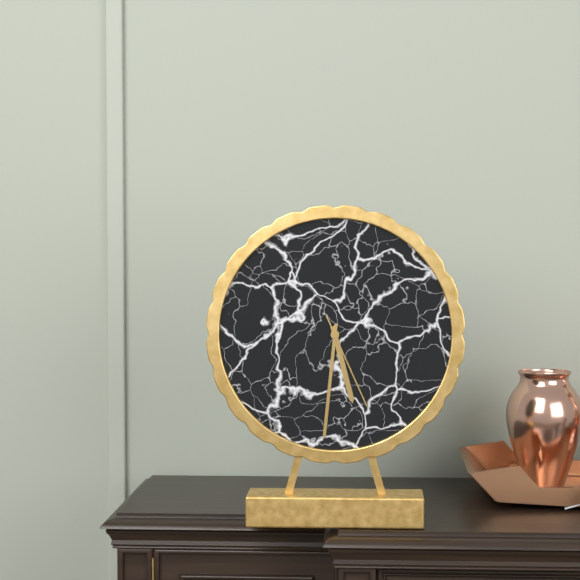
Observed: 5.31.26
